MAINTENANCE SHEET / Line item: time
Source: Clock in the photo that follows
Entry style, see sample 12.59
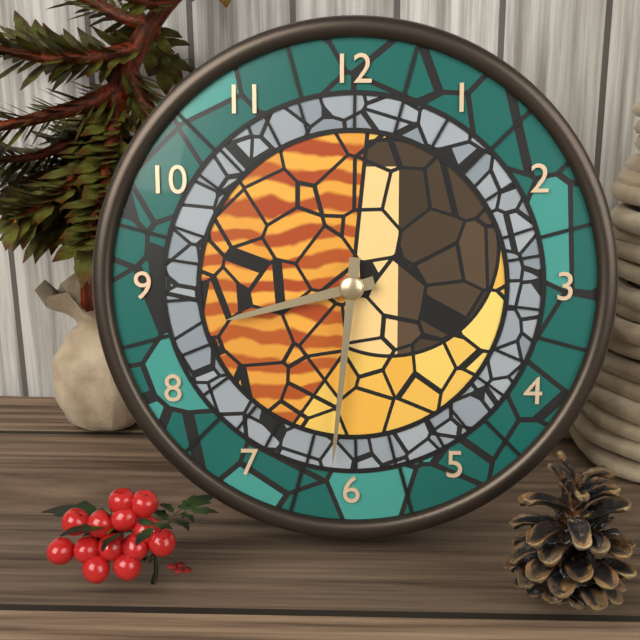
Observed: 8.31
